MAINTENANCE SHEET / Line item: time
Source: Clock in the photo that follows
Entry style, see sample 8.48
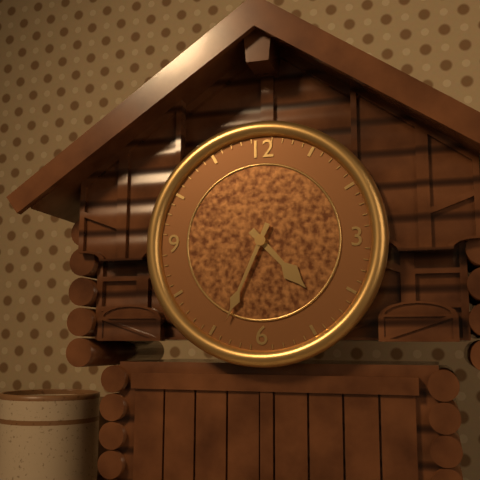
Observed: 4.34
